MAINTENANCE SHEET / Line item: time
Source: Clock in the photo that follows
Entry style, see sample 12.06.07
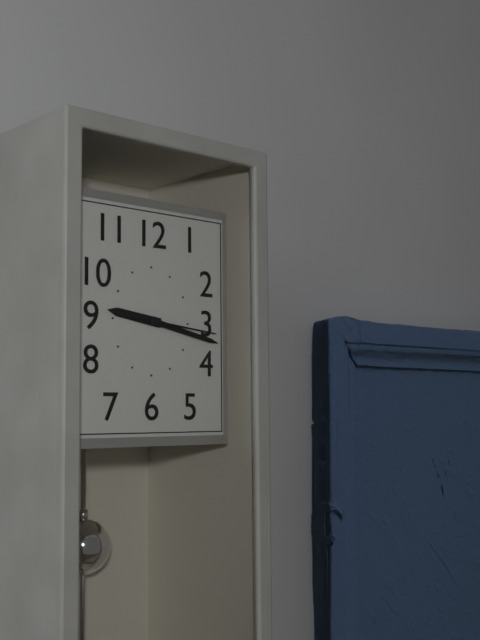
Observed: 9.17.16
